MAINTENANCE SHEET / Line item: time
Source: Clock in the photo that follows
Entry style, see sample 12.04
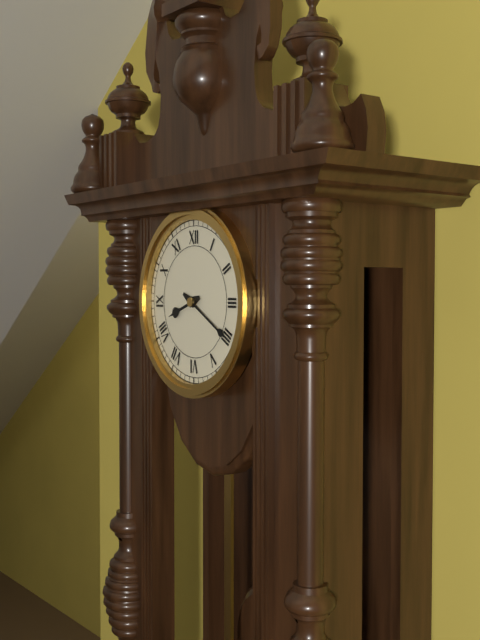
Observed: 8.20
